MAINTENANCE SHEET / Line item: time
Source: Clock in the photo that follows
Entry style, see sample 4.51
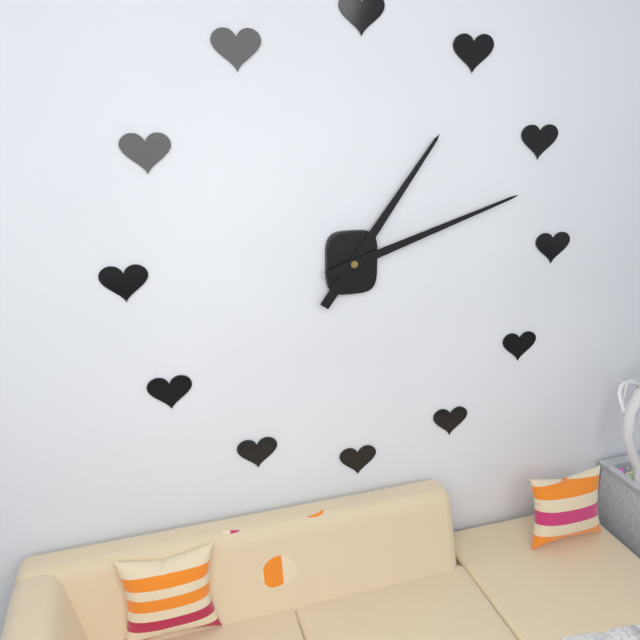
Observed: 1.12
